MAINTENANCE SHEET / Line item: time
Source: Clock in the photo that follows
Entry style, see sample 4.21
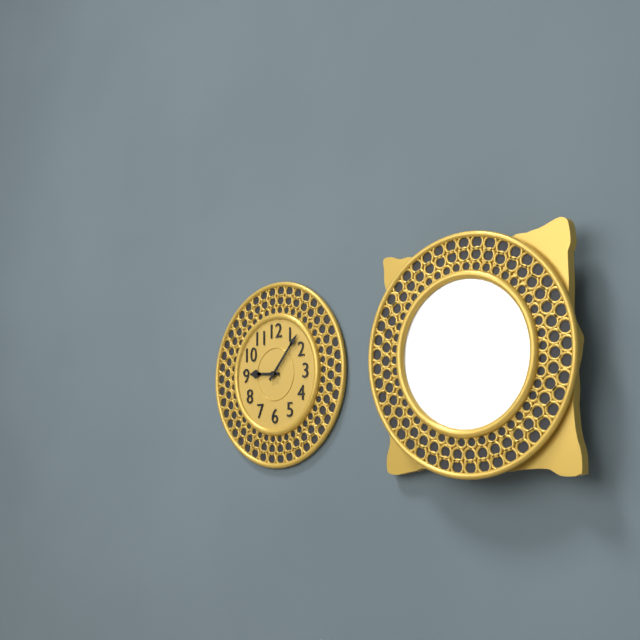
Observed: 9.07
